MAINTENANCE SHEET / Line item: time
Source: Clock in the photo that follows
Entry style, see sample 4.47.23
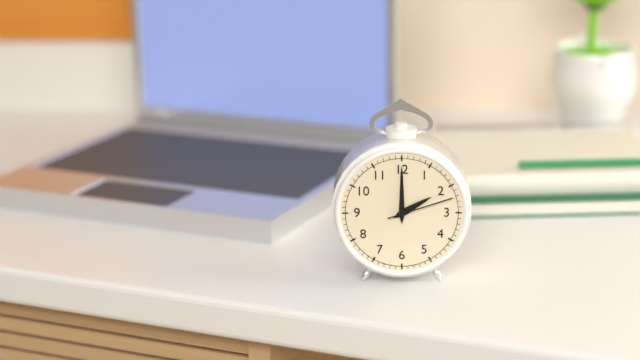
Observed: 2.00.12
